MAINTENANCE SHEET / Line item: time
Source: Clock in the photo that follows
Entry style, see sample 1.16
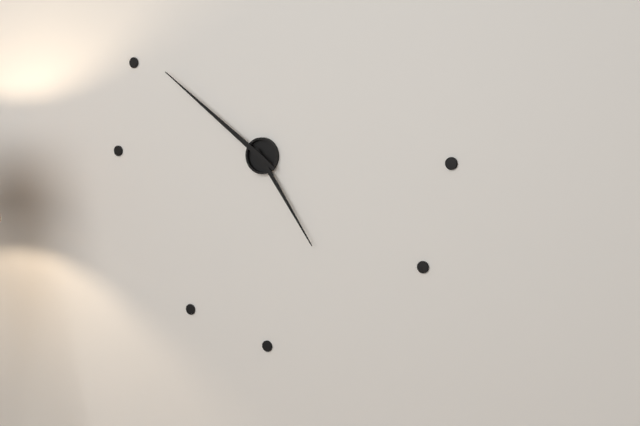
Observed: 4.51
